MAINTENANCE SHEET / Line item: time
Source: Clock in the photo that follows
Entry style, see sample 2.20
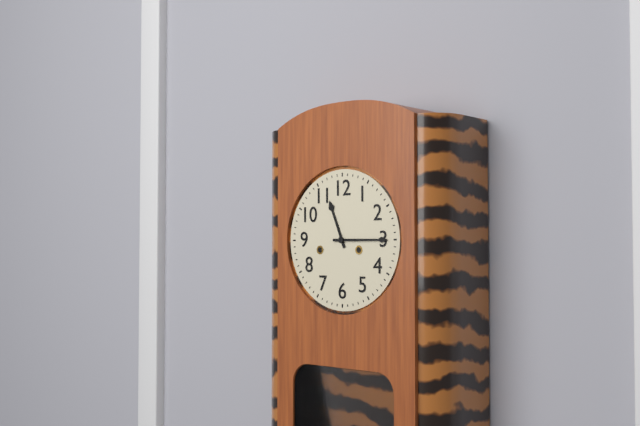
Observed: 11.15
